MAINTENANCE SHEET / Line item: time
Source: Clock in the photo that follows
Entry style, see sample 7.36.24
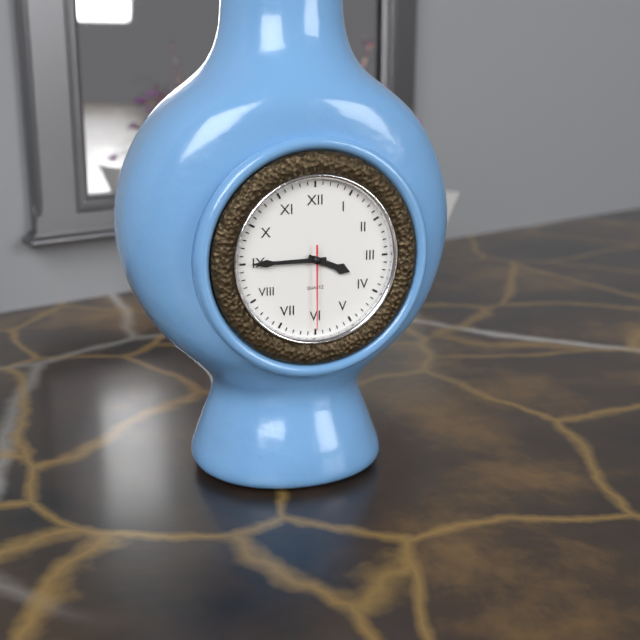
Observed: 3.45.30
